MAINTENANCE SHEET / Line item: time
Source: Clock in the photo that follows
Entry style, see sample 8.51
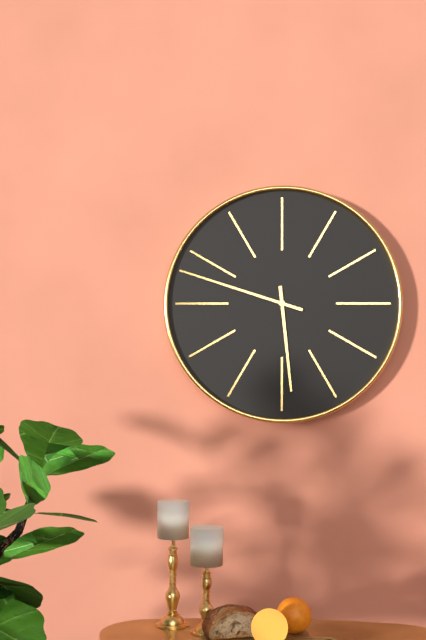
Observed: 5.48
